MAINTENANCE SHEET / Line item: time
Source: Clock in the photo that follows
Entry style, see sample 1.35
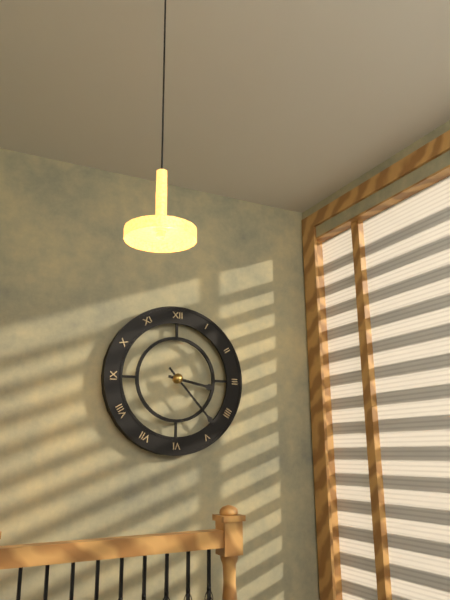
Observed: 3.23
